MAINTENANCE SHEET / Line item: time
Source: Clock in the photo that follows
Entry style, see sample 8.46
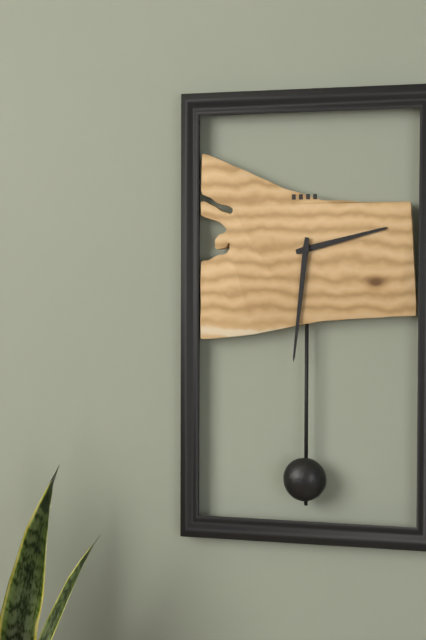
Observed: 2.31
